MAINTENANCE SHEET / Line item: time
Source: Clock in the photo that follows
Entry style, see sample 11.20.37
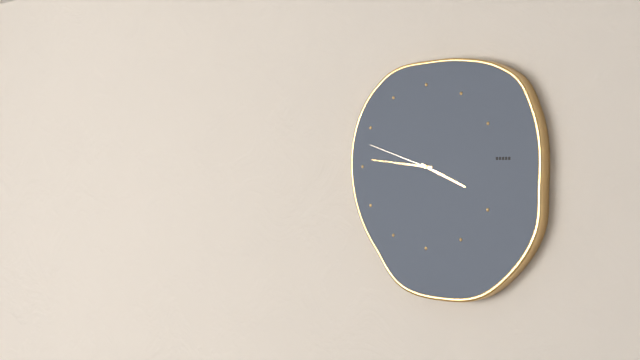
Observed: 3.46.48
